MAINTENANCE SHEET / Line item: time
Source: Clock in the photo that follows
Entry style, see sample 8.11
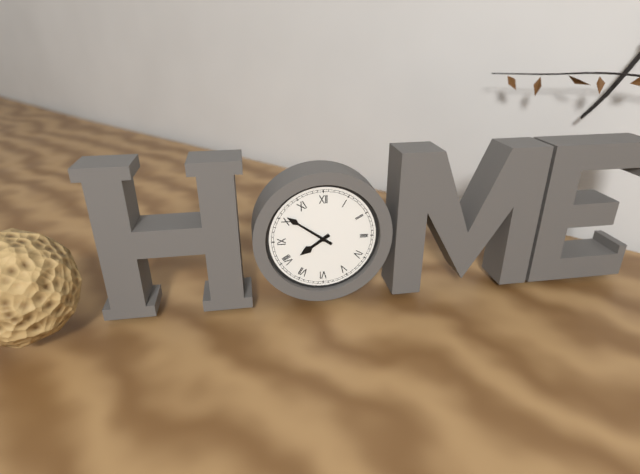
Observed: 7.51
